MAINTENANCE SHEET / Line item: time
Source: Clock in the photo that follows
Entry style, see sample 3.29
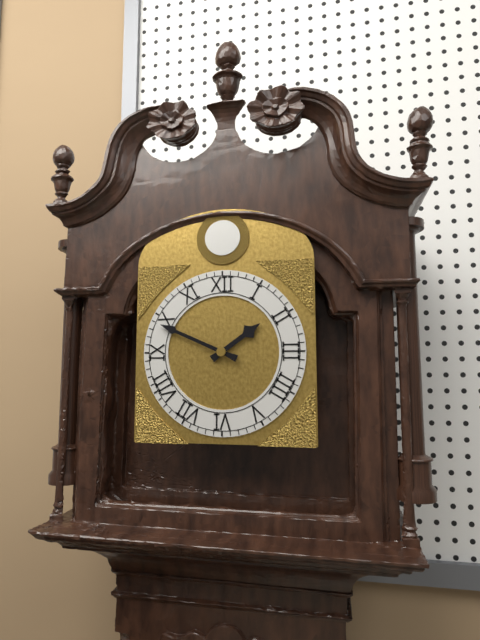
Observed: 1.49
